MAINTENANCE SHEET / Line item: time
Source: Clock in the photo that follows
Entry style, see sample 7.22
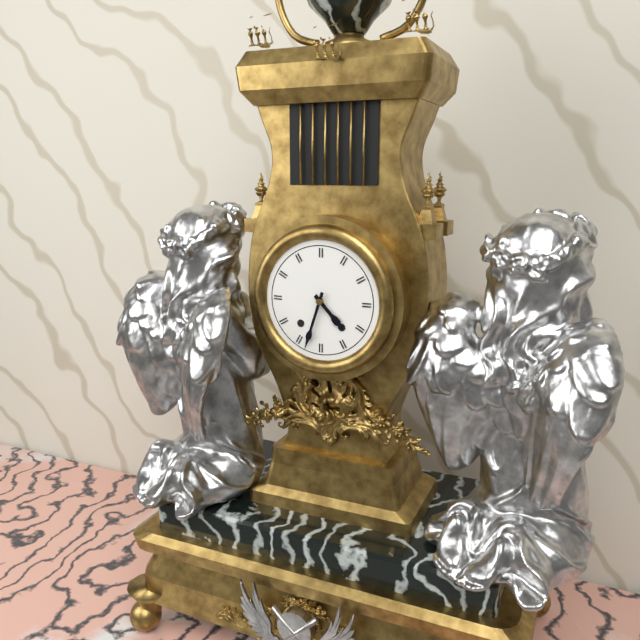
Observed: 4.33
